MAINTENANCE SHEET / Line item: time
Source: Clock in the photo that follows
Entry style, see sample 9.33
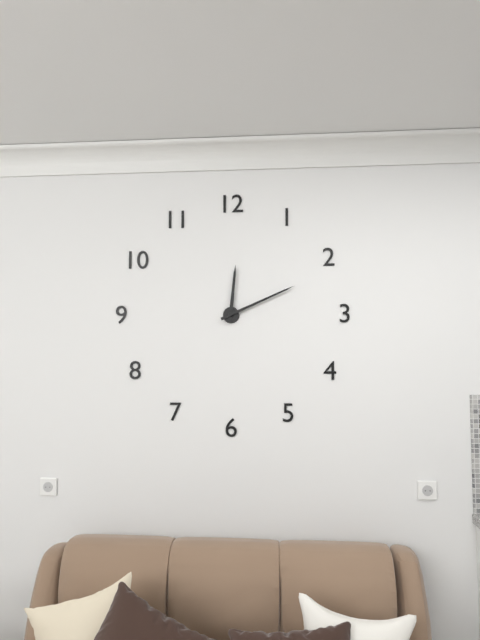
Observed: 12.11
